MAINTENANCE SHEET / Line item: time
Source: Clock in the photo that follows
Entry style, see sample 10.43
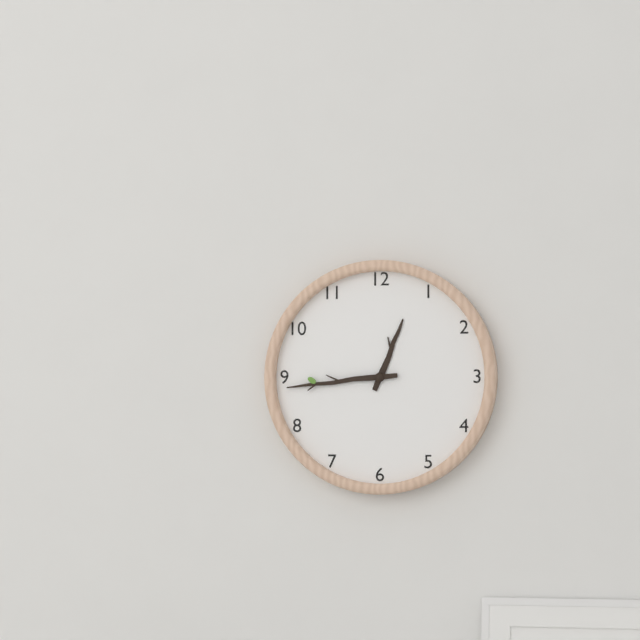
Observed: 12.44
